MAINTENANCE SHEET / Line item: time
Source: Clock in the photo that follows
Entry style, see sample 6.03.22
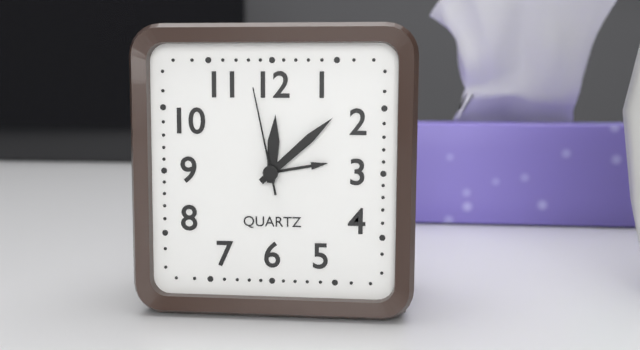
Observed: 12.08.58
